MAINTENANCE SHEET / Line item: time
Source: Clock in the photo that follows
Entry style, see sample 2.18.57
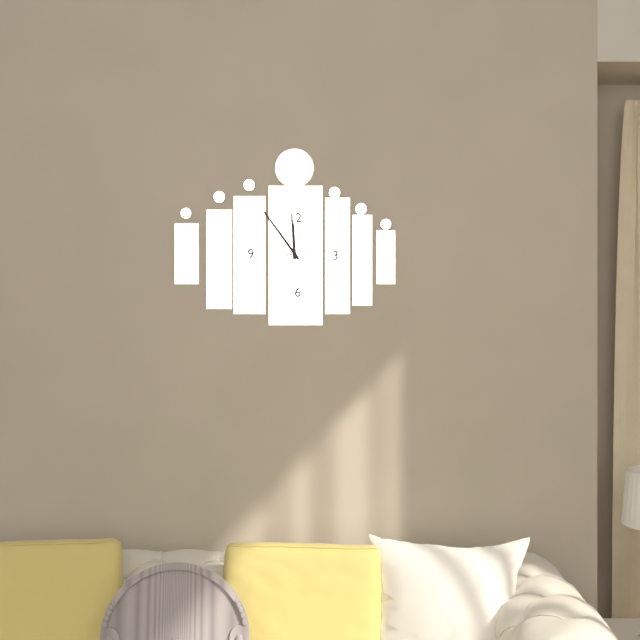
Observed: 11.54.12
